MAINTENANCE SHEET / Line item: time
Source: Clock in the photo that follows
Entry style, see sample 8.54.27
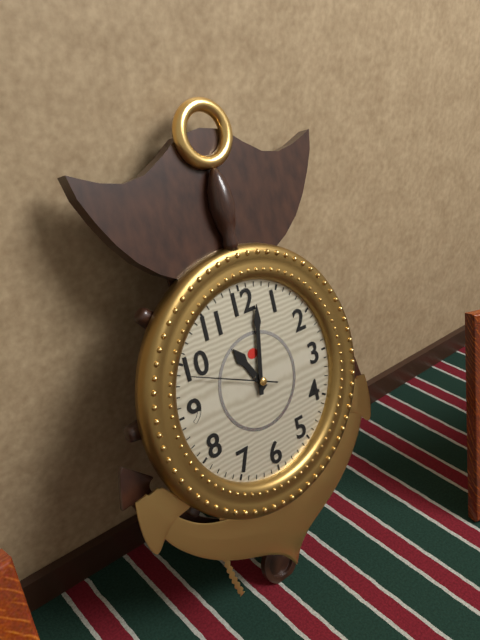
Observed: 11.02.49
